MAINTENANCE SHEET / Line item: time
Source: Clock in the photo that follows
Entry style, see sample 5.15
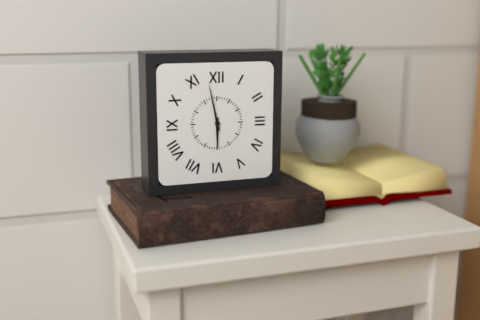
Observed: 5.58
